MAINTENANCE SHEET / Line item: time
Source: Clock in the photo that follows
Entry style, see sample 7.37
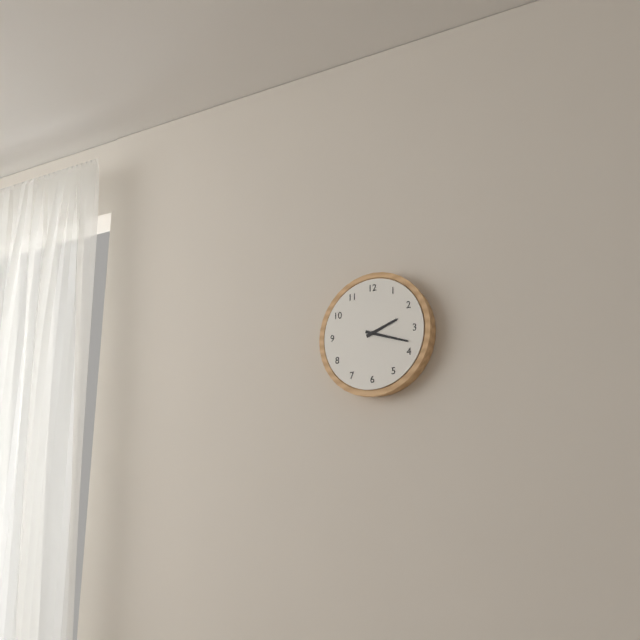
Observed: 2.18
